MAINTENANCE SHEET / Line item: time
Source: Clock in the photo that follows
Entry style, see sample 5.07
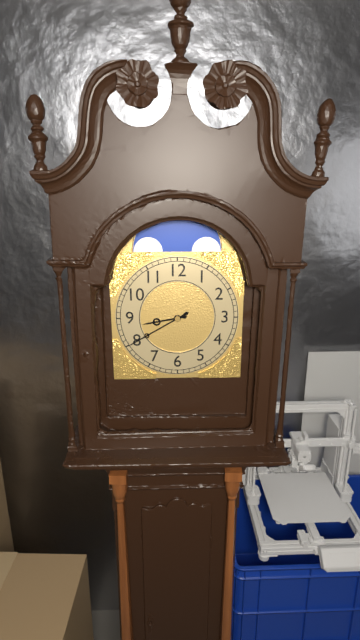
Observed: 8.40
